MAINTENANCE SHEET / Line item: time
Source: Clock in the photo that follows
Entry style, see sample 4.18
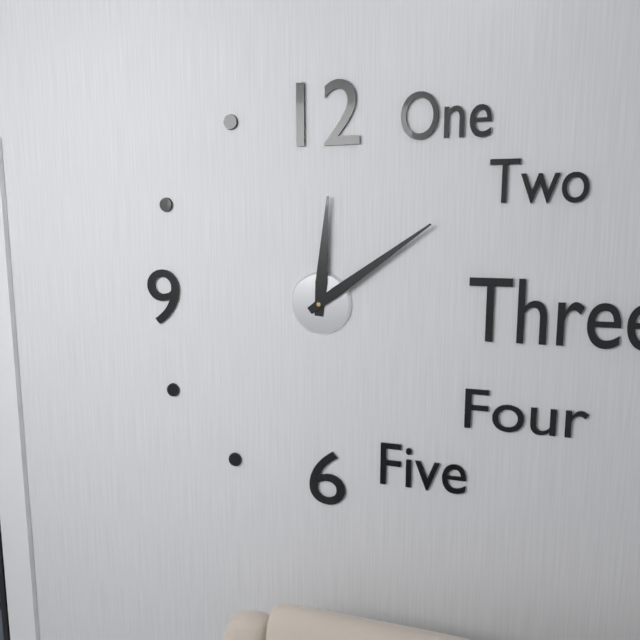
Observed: 12.09
